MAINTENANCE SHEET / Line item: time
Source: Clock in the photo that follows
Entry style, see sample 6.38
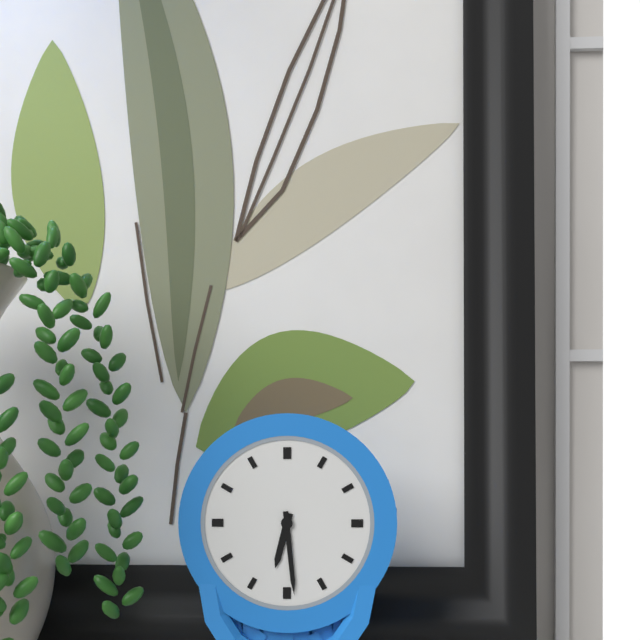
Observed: 6.29
